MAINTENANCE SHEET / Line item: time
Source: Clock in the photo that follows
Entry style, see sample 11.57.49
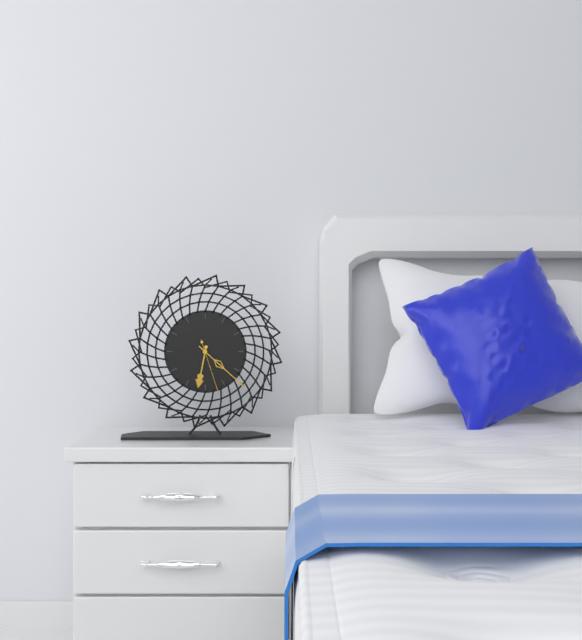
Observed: 6.22.27
